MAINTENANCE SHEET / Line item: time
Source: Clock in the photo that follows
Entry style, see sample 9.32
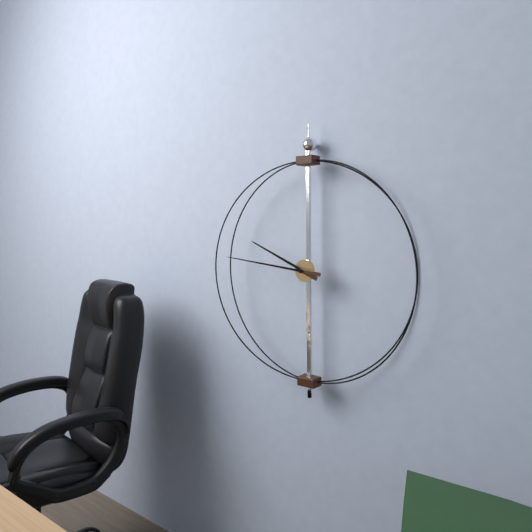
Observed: 9.46
